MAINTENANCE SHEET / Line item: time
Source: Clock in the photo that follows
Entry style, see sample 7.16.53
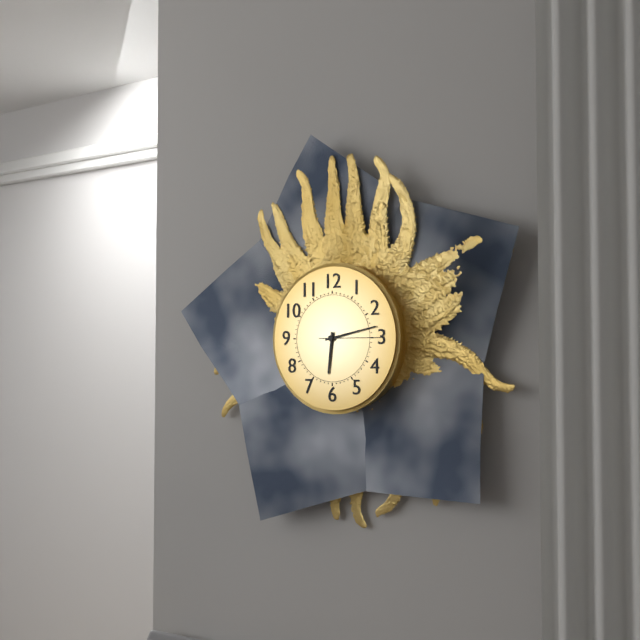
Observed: 6.13.15
